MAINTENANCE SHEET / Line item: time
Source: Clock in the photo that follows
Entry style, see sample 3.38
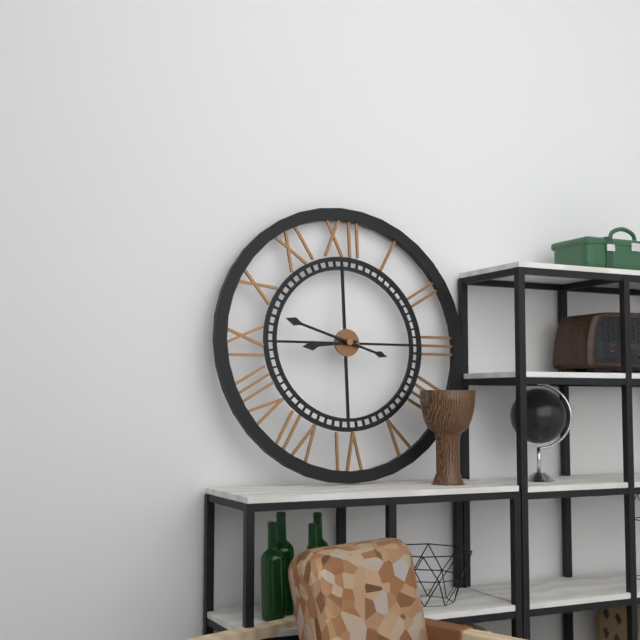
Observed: 8.48
